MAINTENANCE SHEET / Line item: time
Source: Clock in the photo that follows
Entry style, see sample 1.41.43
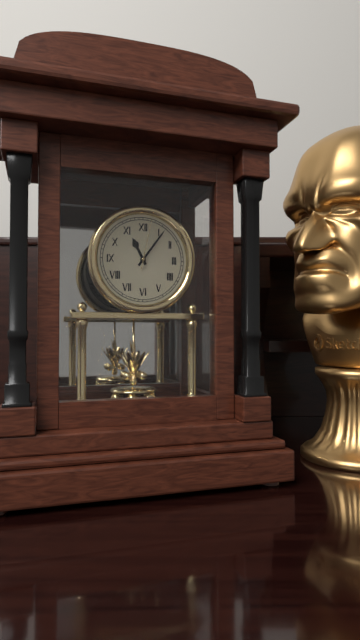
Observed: 11.06.02
